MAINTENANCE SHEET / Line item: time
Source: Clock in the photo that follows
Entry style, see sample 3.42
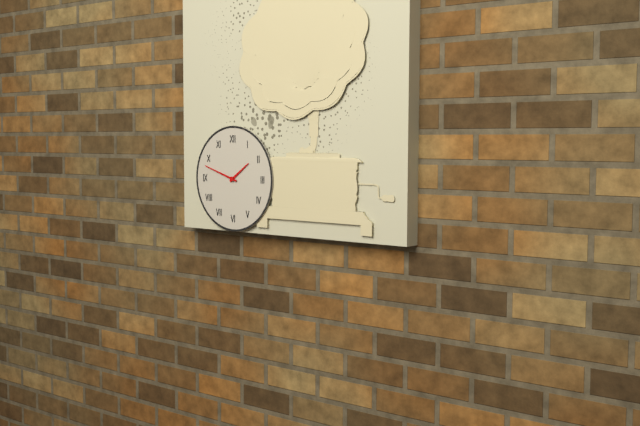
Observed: 1.48
